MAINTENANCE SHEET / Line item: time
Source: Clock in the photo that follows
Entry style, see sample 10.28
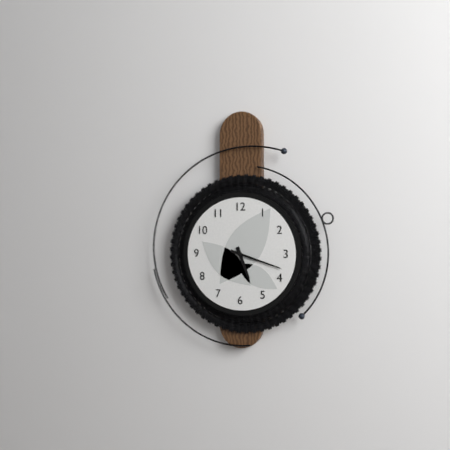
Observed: 5.18
